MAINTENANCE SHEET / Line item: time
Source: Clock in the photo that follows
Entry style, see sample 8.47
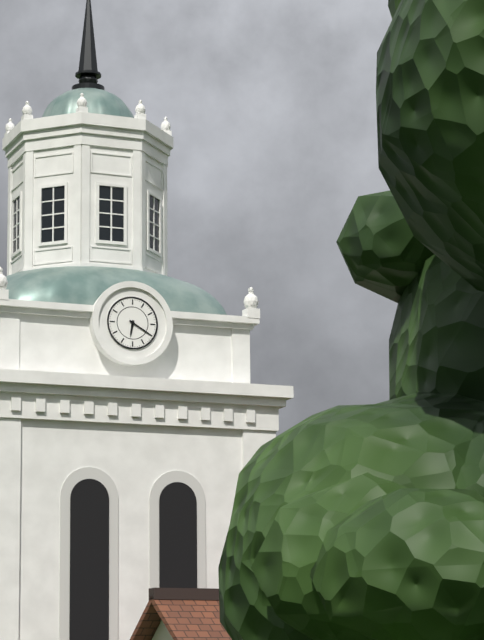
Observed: 6.20
